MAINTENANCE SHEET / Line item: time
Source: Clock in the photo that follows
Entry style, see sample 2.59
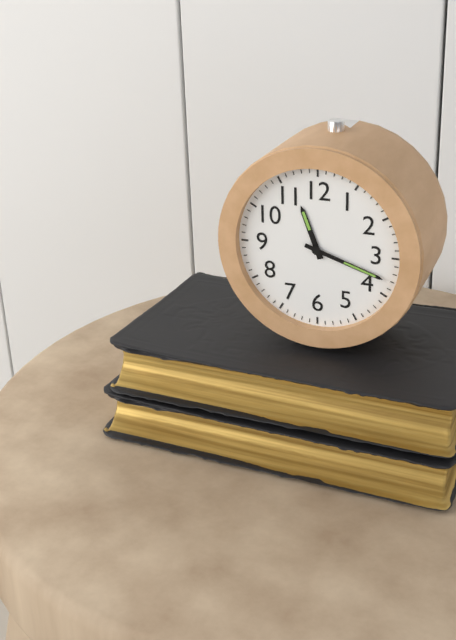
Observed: 11.18
